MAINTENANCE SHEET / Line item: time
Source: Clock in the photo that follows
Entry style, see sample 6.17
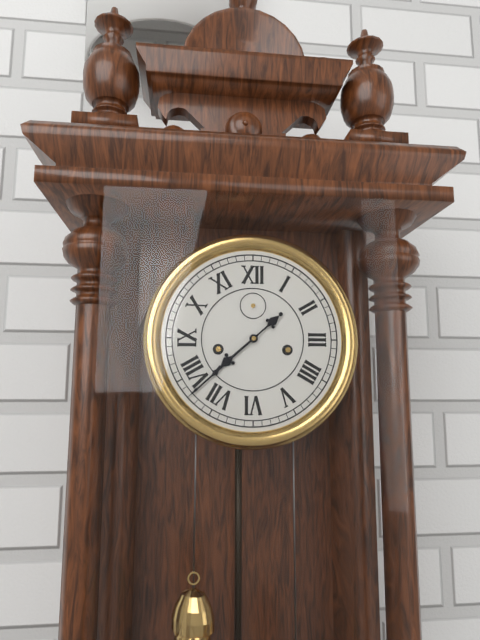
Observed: 7.38
